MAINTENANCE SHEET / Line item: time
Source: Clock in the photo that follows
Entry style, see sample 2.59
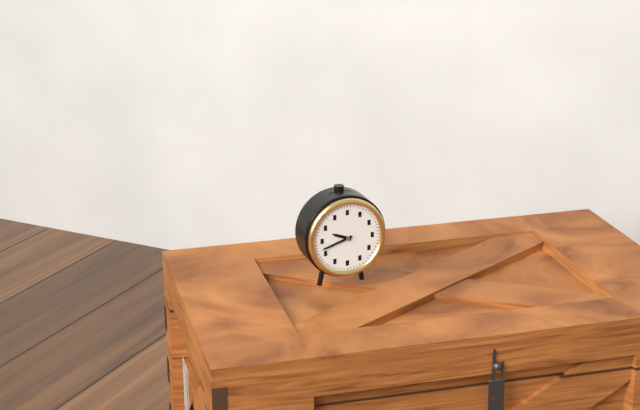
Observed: 9.42
